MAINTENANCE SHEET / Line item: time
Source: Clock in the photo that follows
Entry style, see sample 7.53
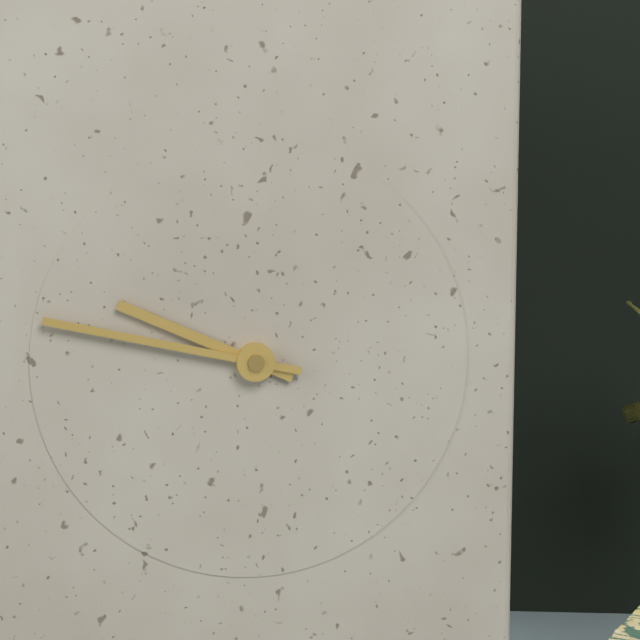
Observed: 9.47
